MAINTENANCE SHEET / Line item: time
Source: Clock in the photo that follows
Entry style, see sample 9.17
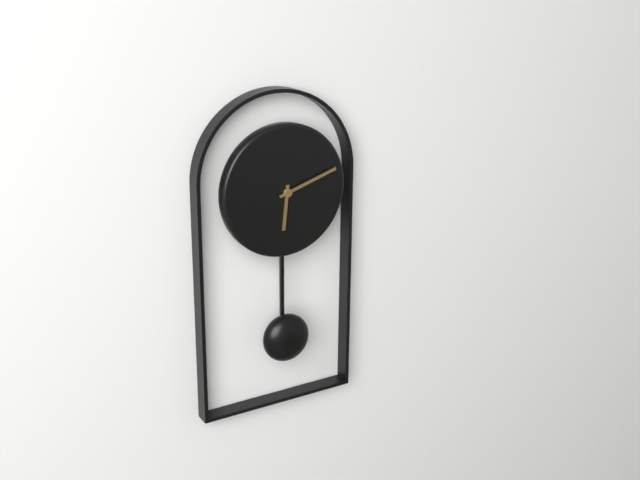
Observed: 6.12
